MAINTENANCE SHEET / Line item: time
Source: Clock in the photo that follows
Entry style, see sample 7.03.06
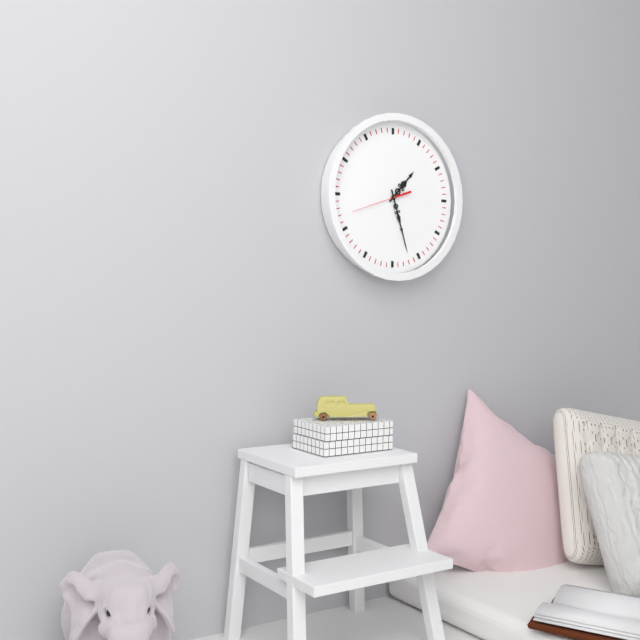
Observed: 1.27.42
